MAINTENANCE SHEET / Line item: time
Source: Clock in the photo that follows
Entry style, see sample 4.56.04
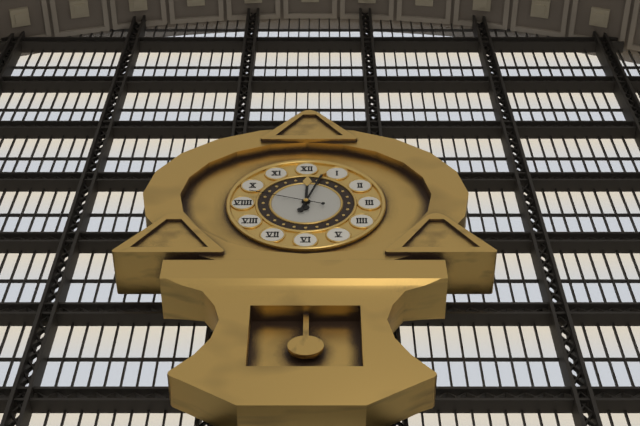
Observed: 12.03.48
